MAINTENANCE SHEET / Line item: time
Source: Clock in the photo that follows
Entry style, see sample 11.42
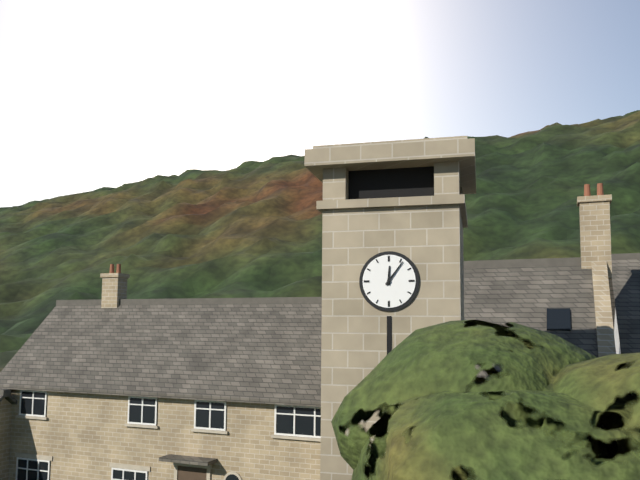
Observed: 12.06
